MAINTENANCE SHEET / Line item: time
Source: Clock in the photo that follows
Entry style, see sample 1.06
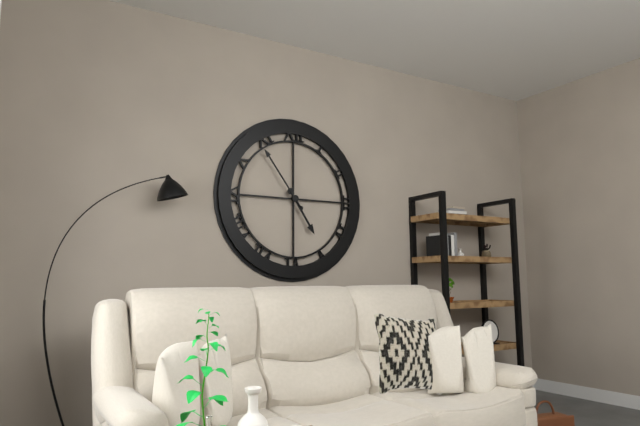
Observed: 4.54
